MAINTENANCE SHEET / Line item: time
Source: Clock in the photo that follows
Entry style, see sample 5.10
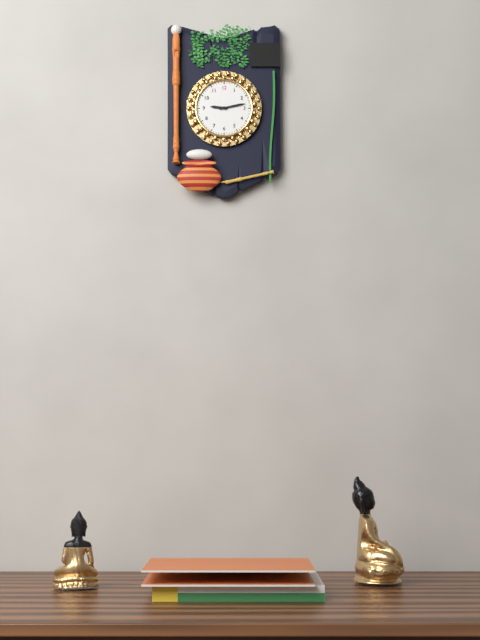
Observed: 9.13
